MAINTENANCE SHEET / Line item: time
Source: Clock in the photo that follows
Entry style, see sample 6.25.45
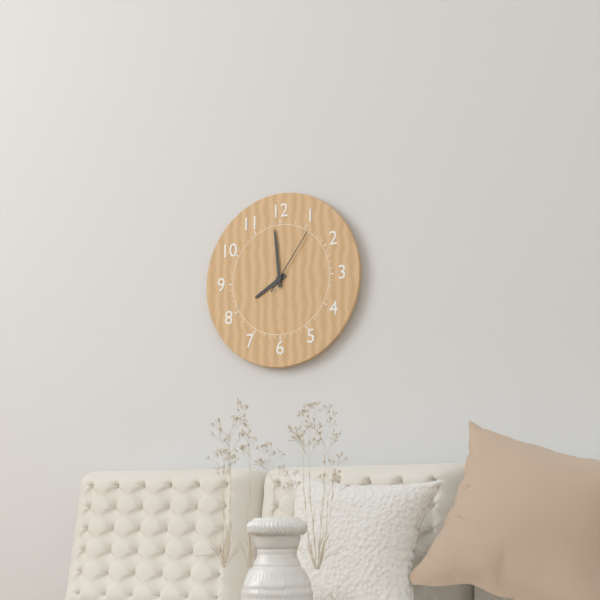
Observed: 7.59.06
